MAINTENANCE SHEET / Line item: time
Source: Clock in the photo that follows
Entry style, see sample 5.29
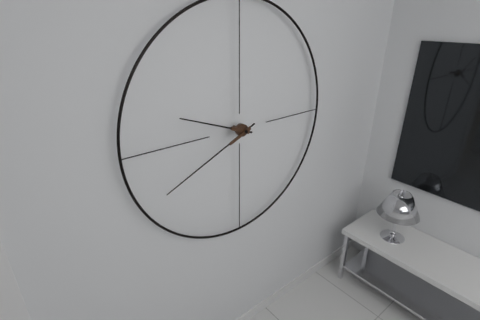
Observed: 9.41
